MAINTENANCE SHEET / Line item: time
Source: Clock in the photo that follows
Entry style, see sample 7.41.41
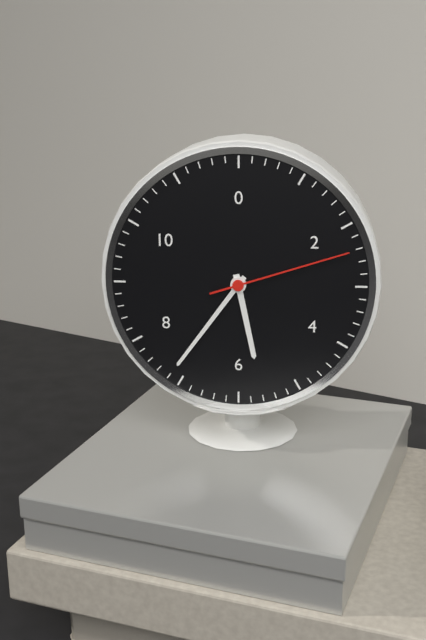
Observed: 5.36.12
